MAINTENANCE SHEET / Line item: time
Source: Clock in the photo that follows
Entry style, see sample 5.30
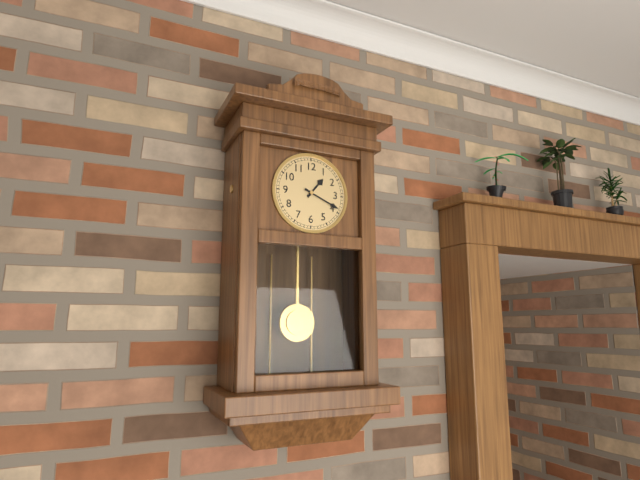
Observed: 1.19
